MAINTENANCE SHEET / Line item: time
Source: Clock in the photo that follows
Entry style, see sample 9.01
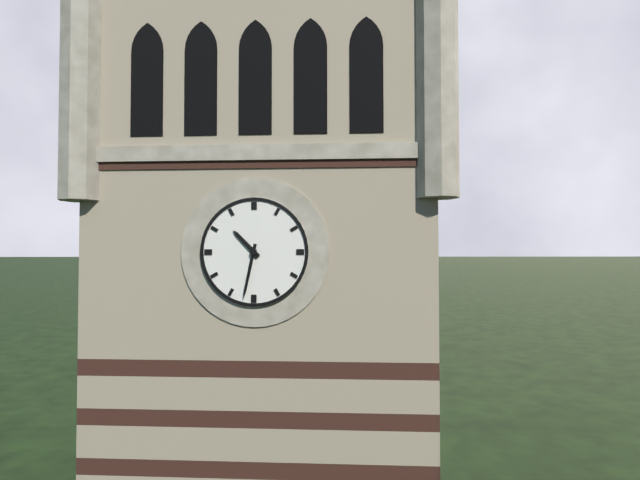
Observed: 10.32
